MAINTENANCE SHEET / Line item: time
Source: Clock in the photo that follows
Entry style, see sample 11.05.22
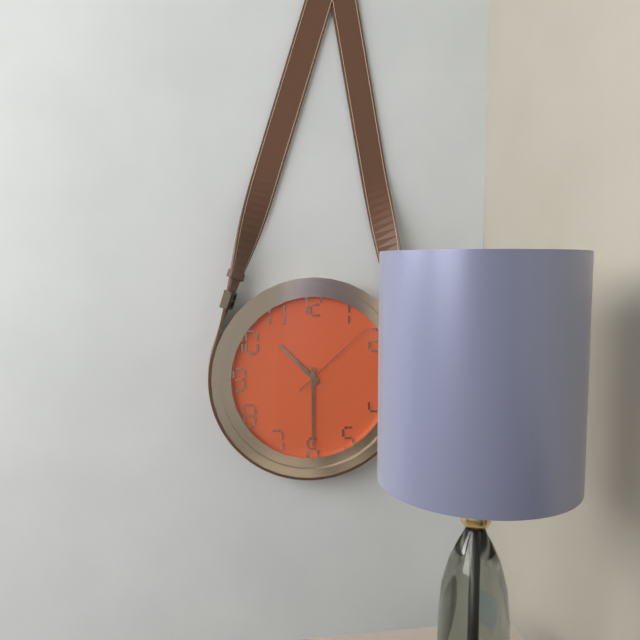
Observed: 10.30.08
